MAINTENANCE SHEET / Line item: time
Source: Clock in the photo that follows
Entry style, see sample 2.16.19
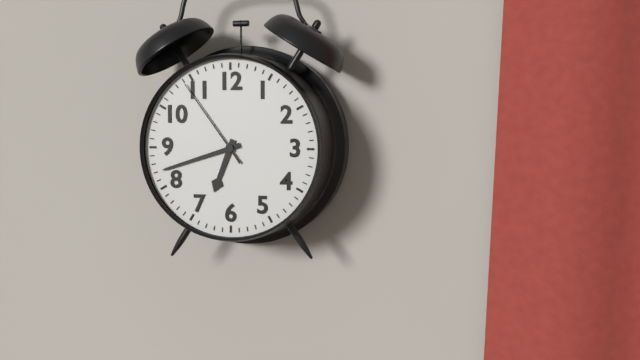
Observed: 6.42.54
